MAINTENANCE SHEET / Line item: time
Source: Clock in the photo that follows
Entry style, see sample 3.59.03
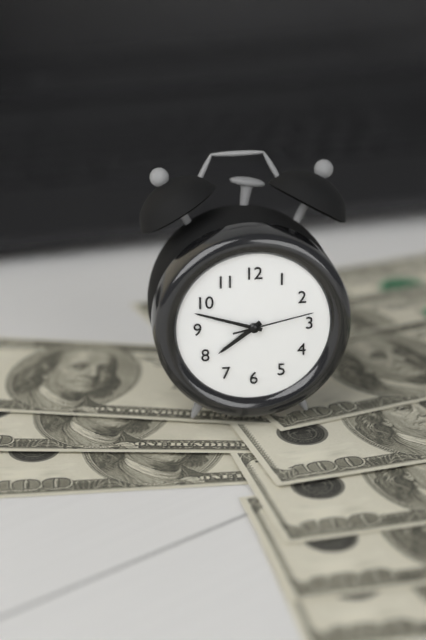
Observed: 7.48.13
